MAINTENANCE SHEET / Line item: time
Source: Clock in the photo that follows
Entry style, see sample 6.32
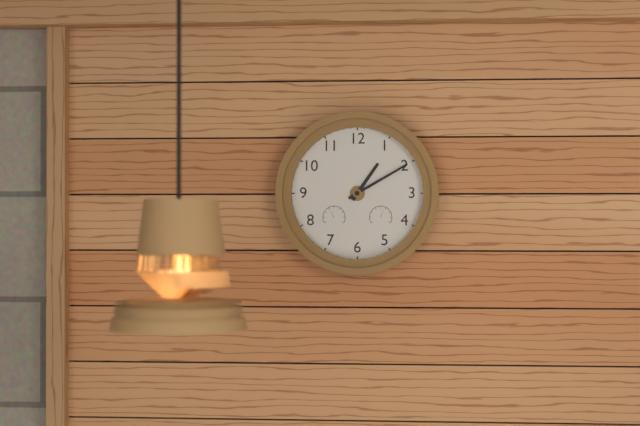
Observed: 1.10
